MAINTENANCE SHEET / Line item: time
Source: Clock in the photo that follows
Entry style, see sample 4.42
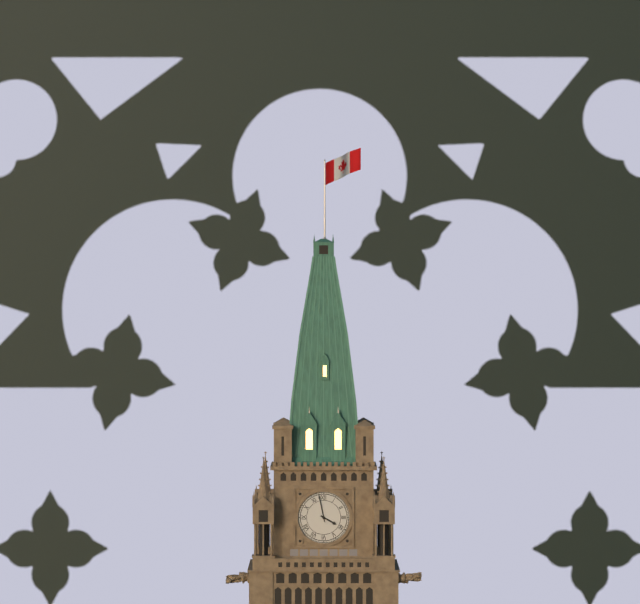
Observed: 3.58
